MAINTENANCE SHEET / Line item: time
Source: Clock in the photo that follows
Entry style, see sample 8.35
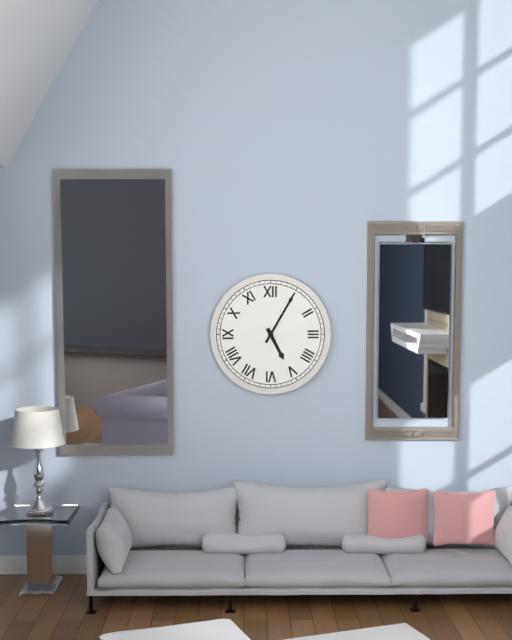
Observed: 5.05
